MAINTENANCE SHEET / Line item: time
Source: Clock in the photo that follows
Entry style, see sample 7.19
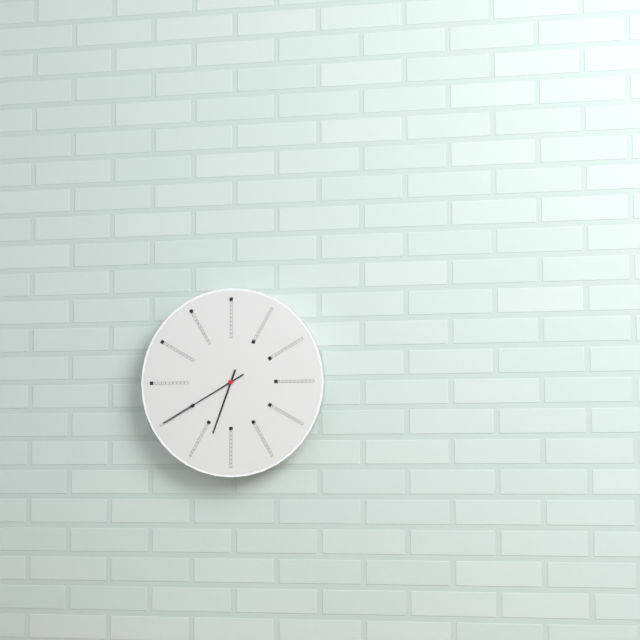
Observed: 6.40
